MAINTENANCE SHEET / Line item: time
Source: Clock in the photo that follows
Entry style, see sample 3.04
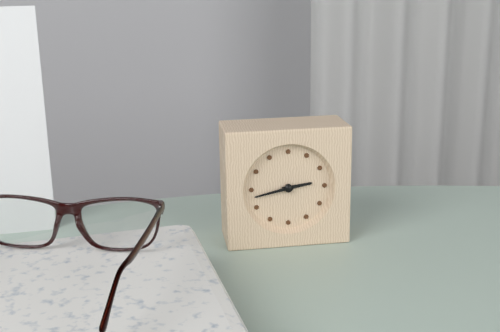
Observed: 2.43
